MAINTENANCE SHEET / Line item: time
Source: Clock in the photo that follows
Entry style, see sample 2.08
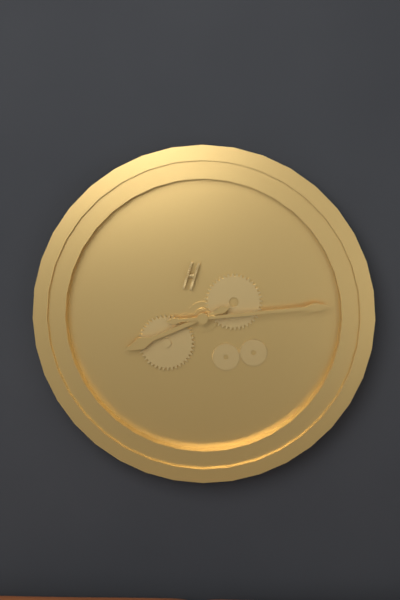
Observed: 8.14
